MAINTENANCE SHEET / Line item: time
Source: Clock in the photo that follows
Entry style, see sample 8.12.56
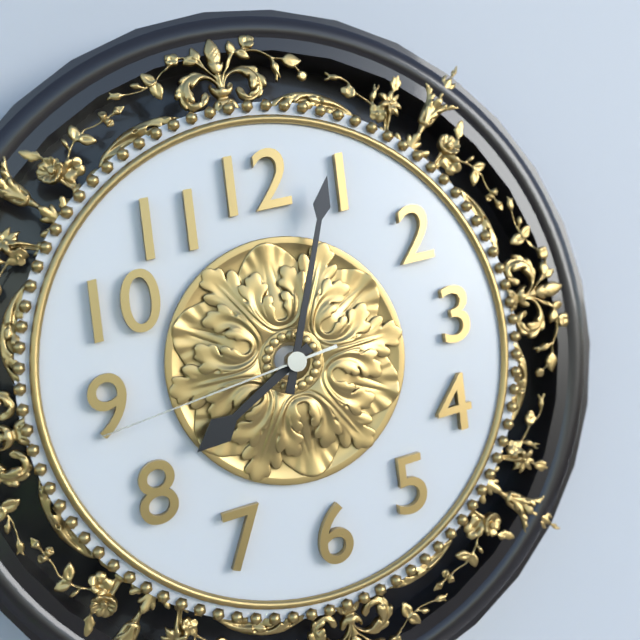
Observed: 8.04.44
